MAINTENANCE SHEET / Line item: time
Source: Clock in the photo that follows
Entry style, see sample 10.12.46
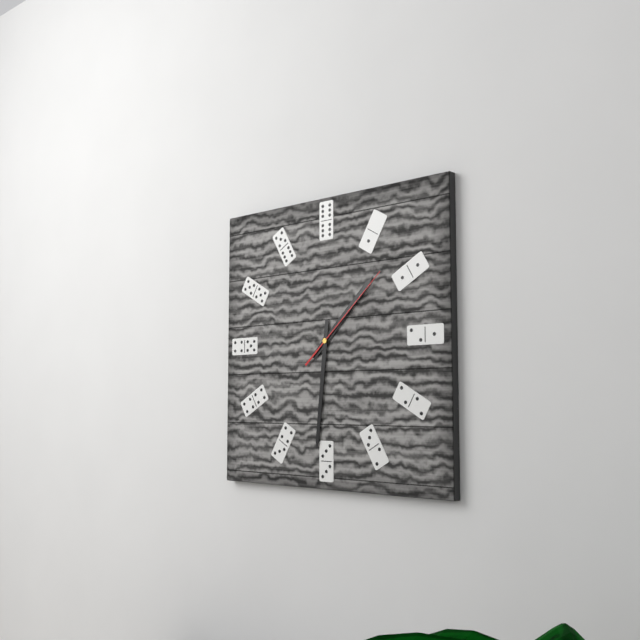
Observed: 1.31.08
